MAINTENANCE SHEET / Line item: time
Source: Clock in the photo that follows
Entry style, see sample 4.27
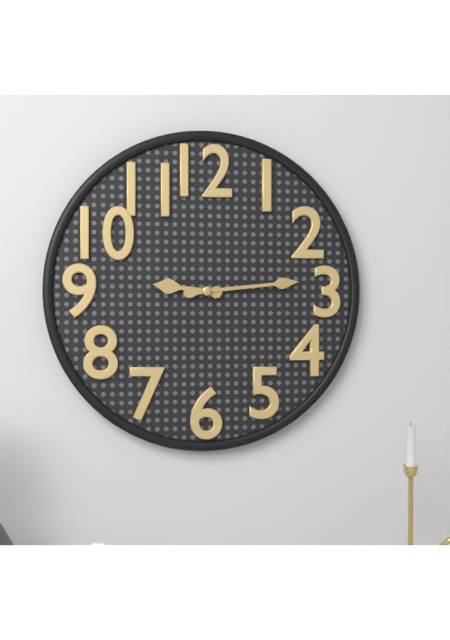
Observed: 9.14
